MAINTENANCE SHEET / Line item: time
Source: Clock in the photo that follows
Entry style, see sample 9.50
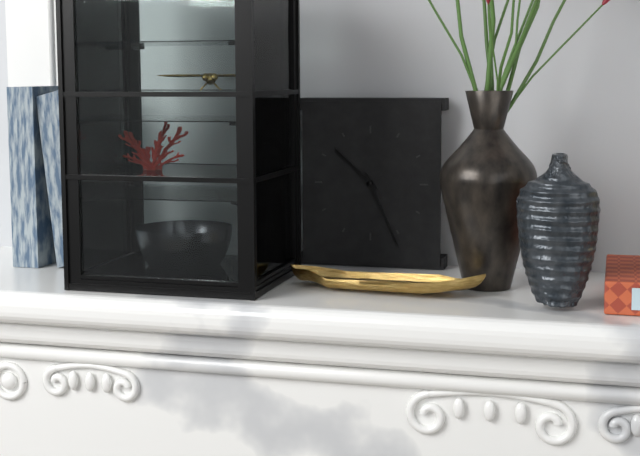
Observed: 10.26
